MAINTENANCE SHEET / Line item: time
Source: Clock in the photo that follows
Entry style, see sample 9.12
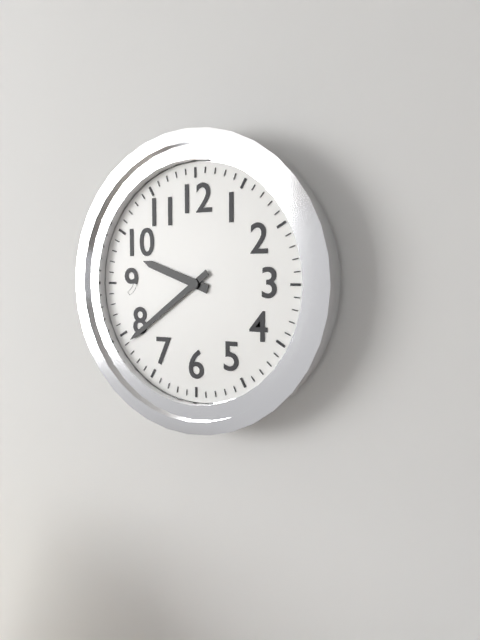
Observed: 9.39
